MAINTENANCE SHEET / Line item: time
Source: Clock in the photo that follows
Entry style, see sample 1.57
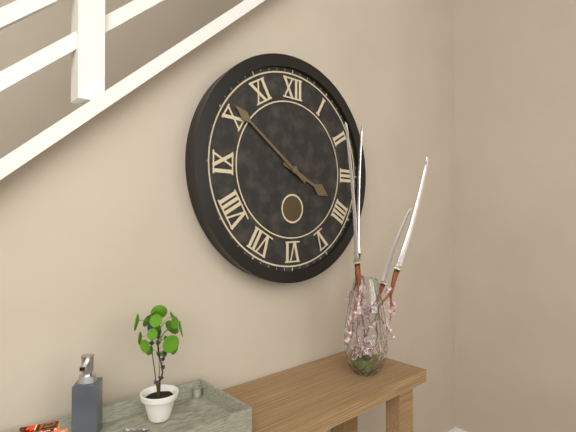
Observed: 3.51
